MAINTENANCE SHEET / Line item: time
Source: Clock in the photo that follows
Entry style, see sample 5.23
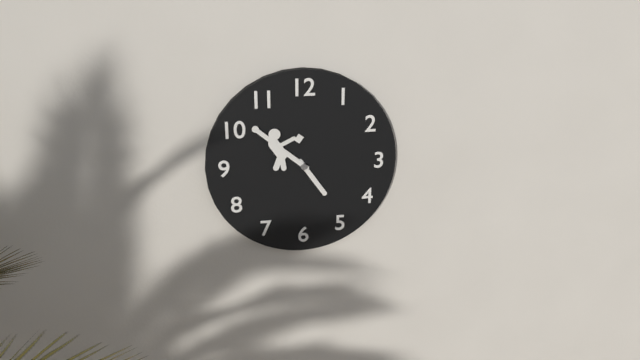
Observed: 4.51
